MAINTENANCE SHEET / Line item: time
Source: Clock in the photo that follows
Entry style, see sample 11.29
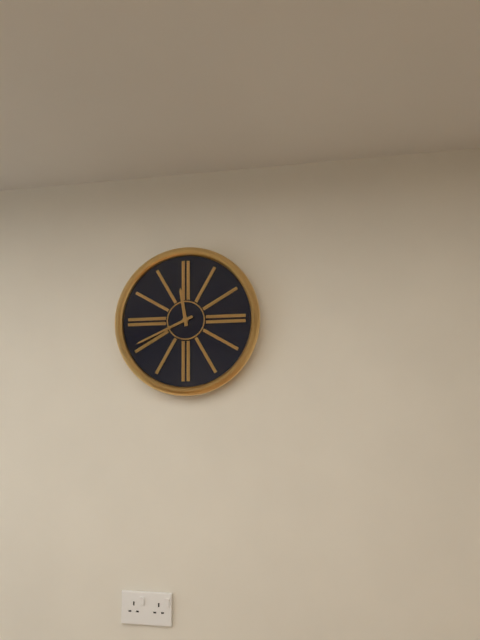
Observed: 11.41
